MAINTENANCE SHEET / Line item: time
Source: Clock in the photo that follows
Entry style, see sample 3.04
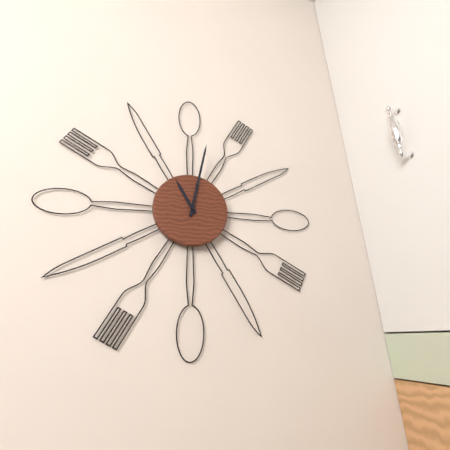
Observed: 11.02
